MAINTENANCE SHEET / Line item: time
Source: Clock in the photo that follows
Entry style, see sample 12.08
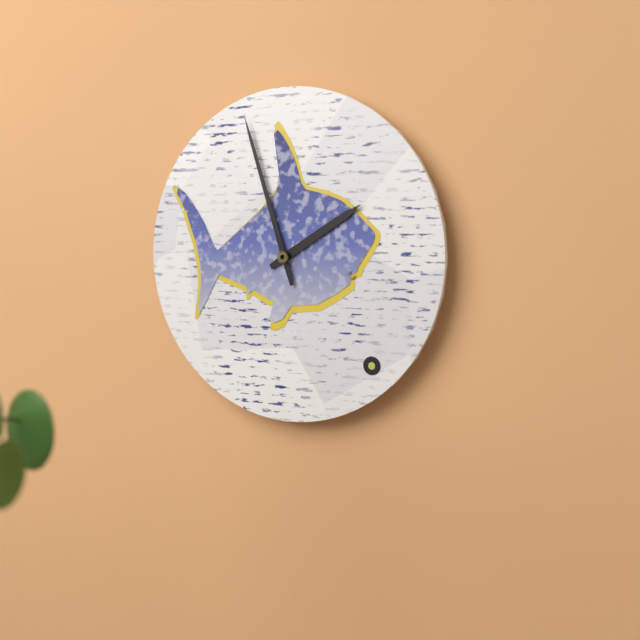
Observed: 1.57
